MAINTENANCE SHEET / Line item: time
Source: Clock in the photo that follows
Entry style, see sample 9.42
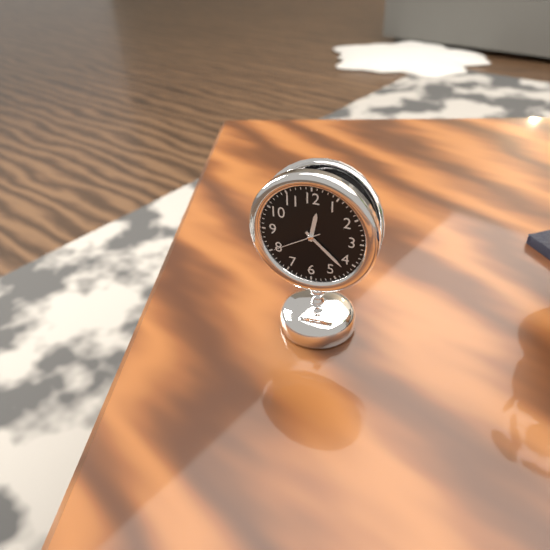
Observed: 12.22
